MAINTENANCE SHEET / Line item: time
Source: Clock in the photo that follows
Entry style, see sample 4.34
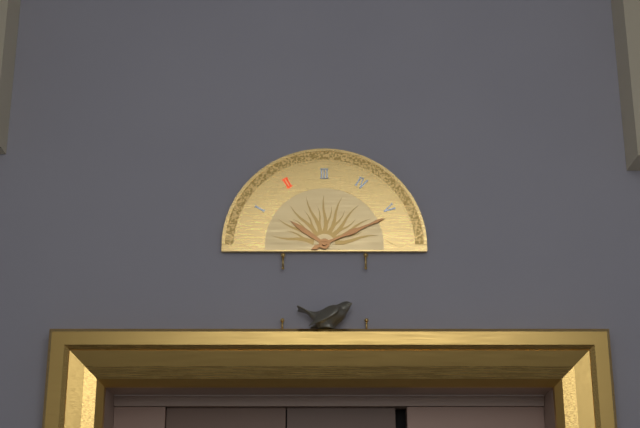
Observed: 10.11
